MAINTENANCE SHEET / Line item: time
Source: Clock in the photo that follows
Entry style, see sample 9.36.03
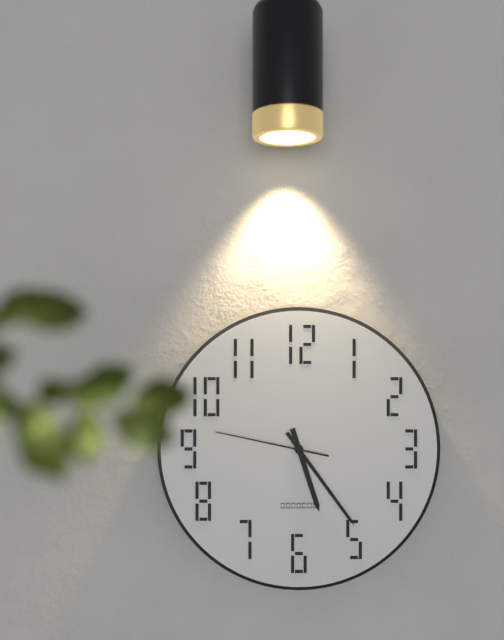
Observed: 5.24.47
